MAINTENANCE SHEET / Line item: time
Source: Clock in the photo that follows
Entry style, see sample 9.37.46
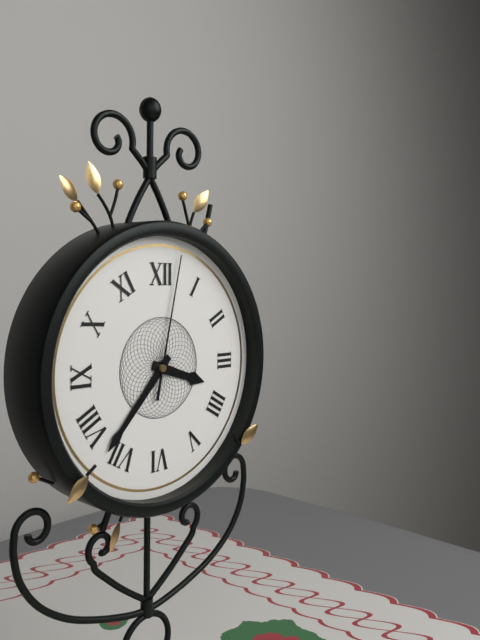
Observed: 3.37.02
